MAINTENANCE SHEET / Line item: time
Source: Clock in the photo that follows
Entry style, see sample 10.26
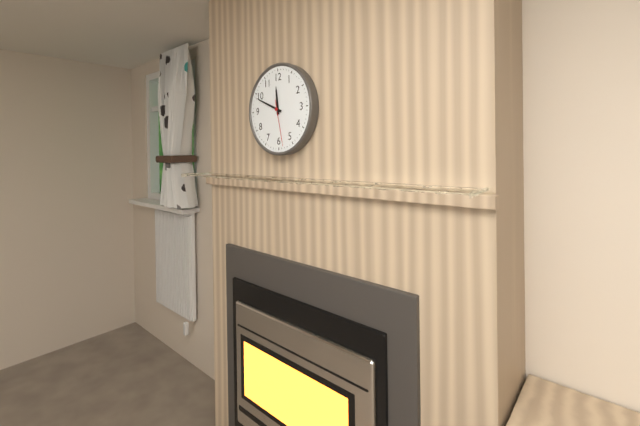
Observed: 11.49
